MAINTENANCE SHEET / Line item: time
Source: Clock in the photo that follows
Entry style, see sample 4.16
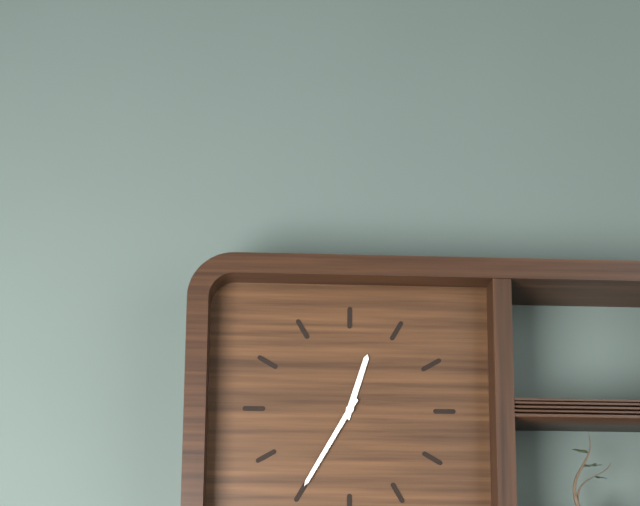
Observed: 12.35
